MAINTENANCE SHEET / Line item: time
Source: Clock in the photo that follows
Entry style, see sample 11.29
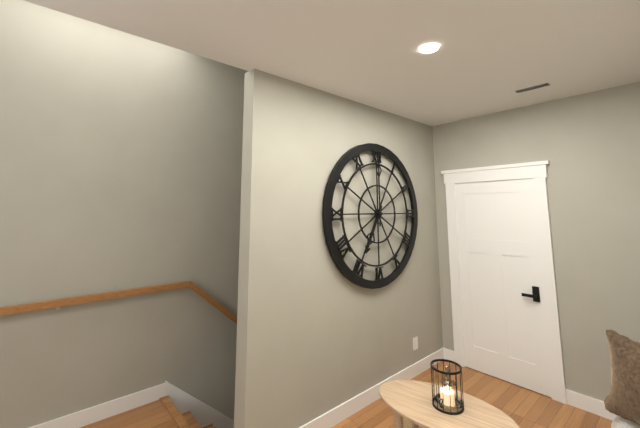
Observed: 7.00
